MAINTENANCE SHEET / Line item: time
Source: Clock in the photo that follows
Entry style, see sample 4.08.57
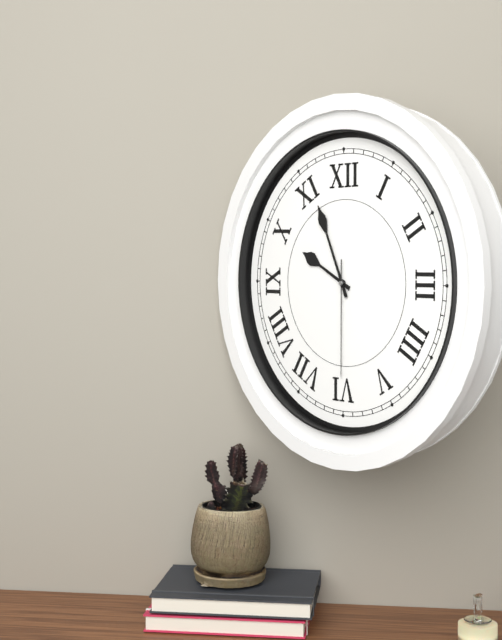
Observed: 9.56.30
